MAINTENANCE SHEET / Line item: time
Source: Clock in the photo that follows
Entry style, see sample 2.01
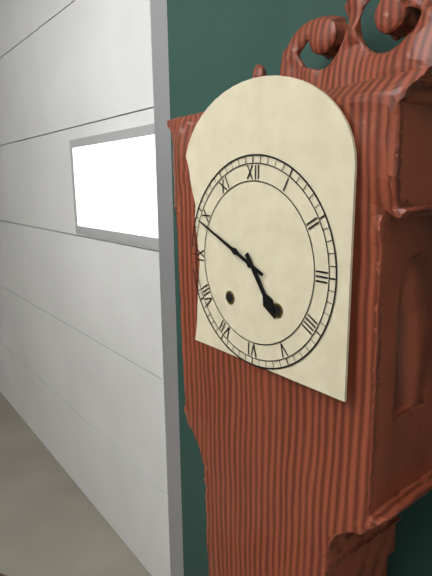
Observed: 4.49
